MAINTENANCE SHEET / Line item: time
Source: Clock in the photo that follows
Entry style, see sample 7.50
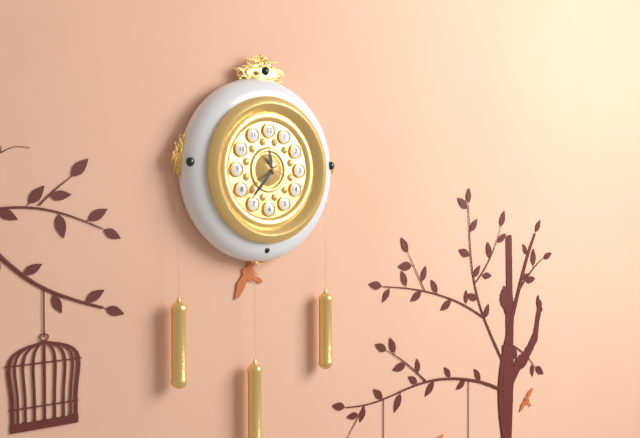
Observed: 11.37
